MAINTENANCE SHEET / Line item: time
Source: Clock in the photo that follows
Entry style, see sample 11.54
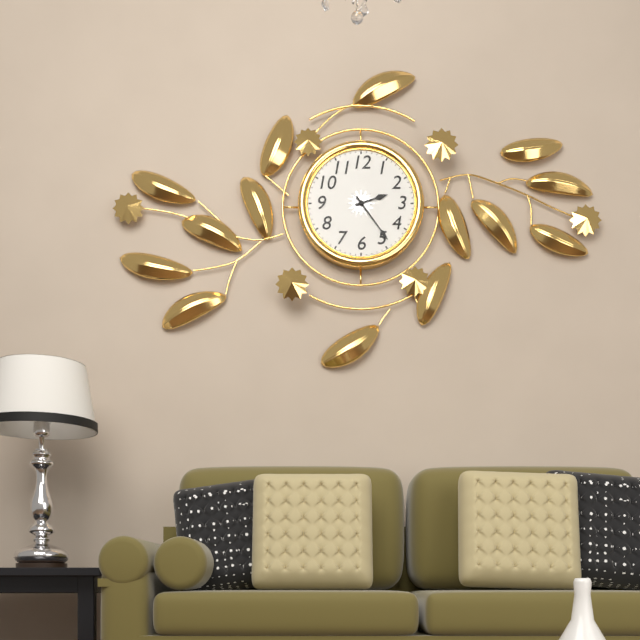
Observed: 2.24
